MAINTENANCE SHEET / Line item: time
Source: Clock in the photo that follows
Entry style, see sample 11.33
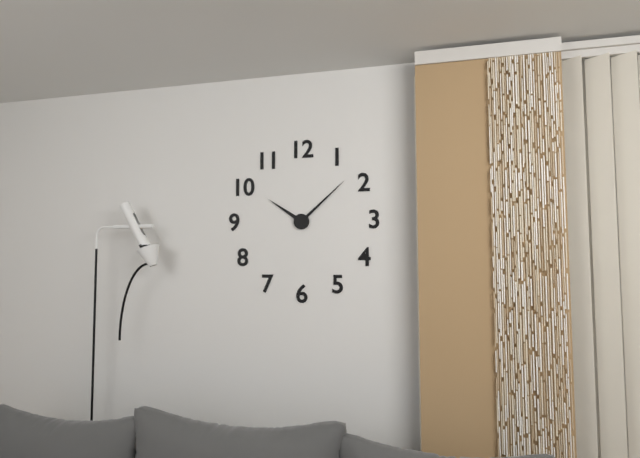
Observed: 10.08
